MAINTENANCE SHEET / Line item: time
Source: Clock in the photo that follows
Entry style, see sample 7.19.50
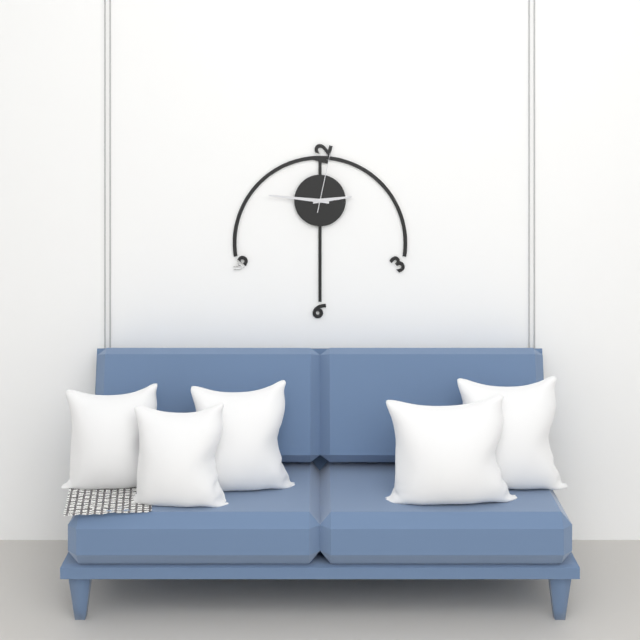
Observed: 2.46.02
